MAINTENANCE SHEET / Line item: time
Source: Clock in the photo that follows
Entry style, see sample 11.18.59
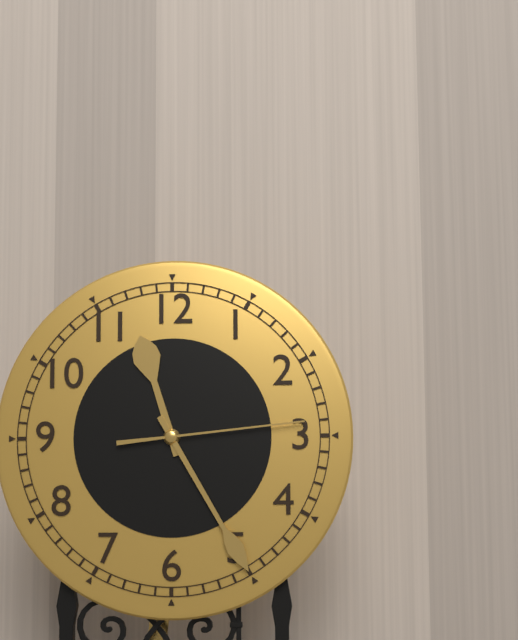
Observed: 11.25.14
